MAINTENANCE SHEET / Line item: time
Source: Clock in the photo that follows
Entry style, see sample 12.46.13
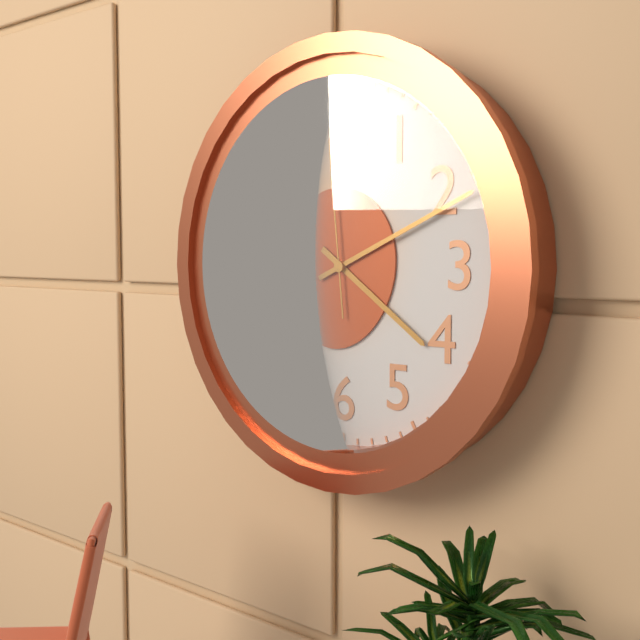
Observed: 4.11.59
